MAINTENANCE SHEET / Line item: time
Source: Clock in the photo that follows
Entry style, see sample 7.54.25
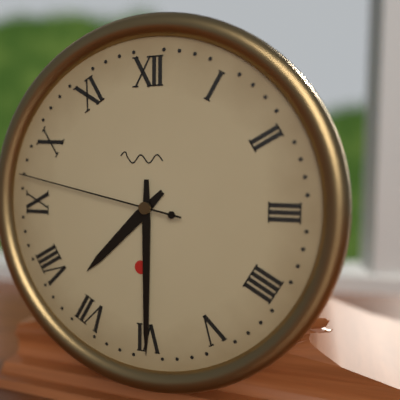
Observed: 7.30.47
